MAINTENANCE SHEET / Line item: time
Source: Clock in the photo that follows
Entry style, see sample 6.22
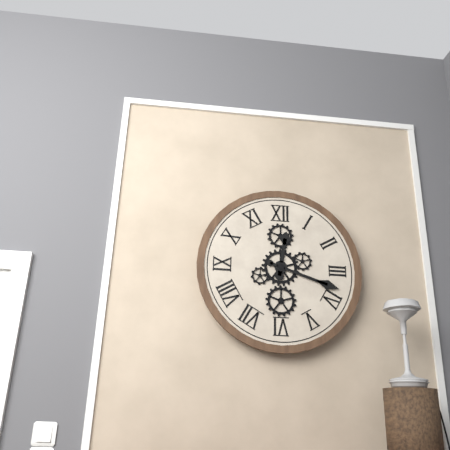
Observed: 12.18
